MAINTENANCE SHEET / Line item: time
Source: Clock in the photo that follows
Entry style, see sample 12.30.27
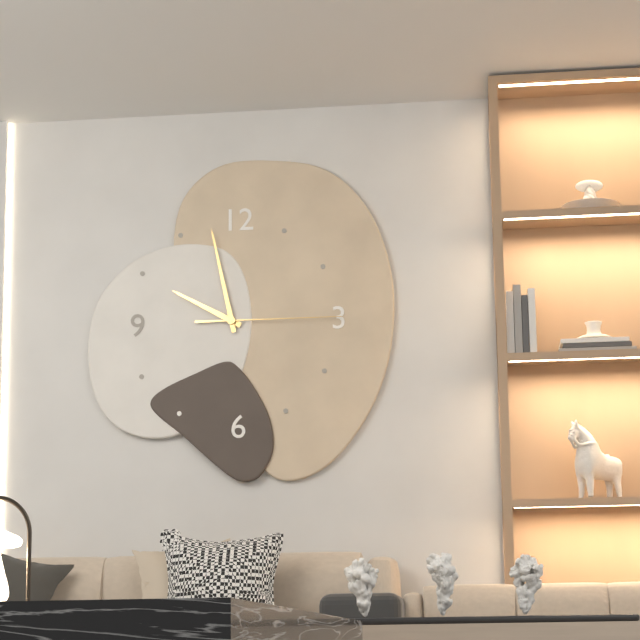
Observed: 9.58.15
